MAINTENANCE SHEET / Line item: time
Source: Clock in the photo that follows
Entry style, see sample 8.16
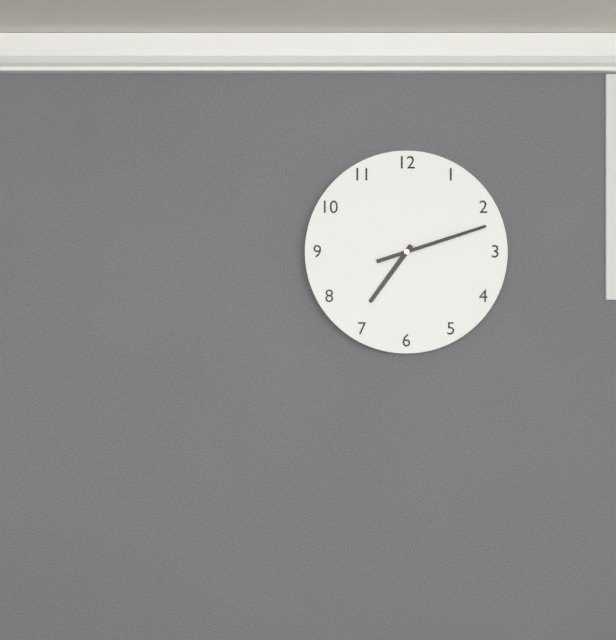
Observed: 7.12
